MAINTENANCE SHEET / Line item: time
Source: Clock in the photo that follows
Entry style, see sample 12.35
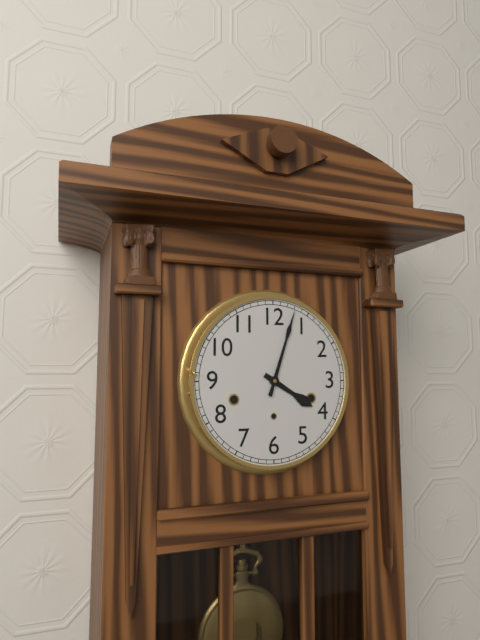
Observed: 4.03
